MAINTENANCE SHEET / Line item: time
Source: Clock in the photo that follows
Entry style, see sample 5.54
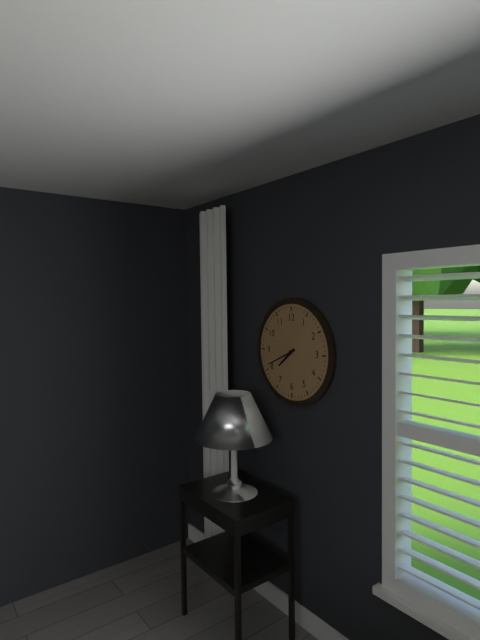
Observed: 7.41
